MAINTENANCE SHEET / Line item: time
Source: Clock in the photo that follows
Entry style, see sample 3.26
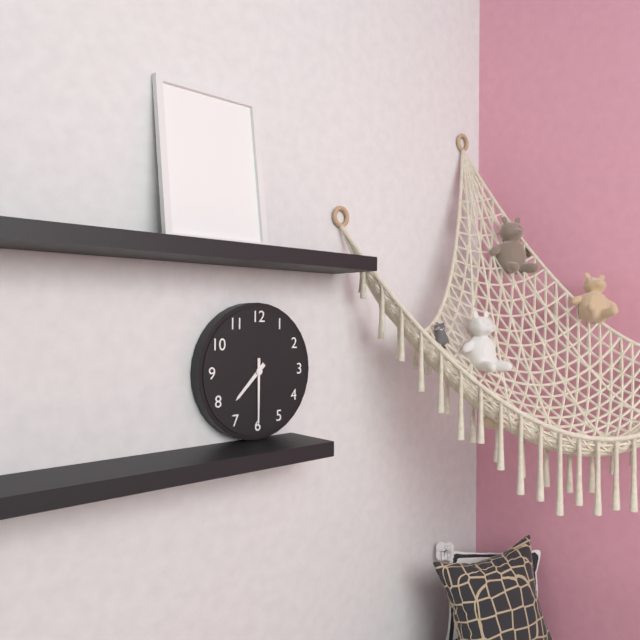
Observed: 7.30
